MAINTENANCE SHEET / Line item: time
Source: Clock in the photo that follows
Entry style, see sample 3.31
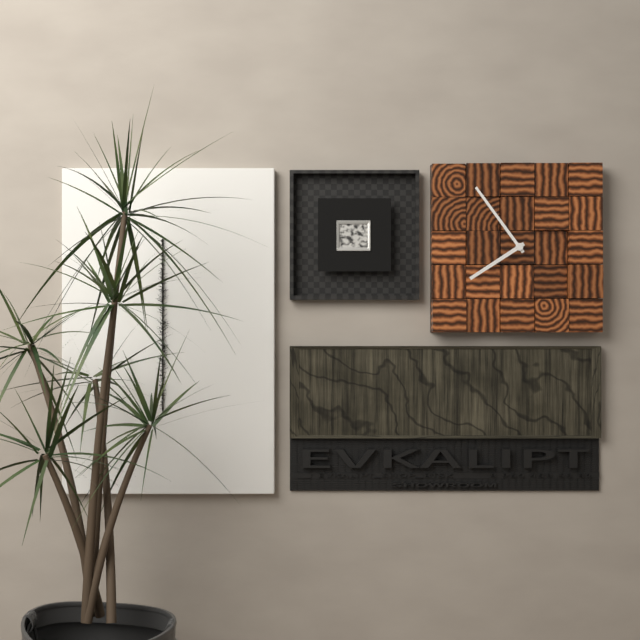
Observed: 7.54
